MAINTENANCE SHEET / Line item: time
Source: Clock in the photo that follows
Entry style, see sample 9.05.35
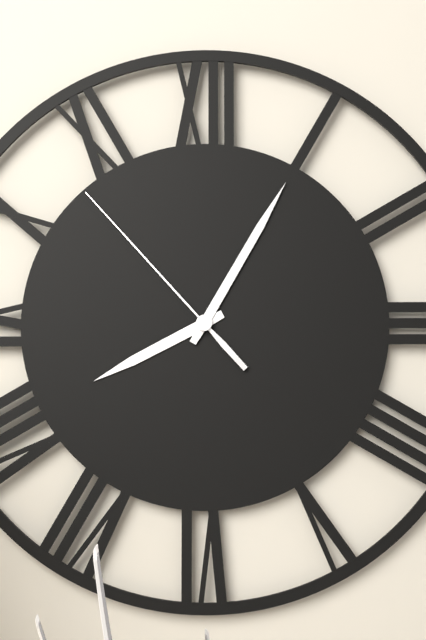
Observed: 8.05.53
